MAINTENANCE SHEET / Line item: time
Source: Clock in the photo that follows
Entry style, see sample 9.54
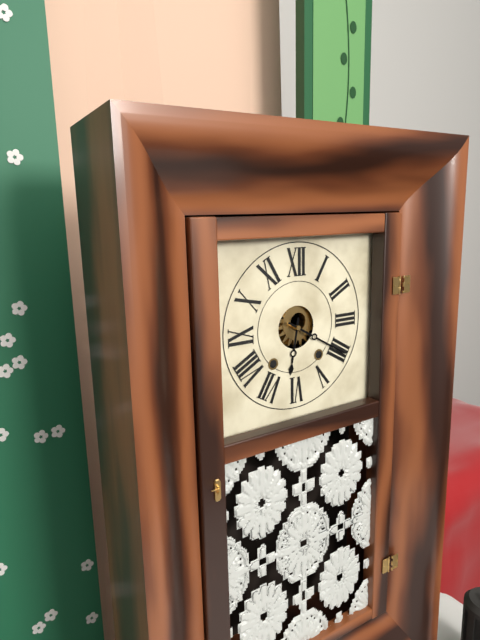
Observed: 6.20
